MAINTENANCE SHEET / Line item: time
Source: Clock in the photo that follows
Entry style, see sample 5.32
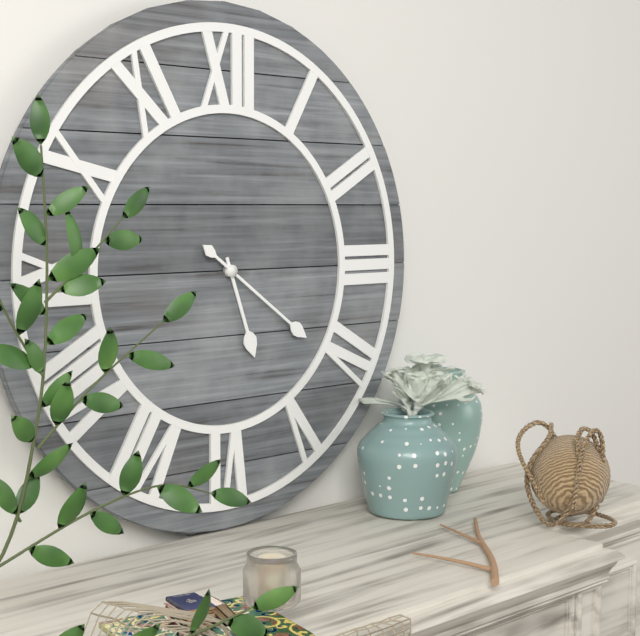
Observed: 5.21
